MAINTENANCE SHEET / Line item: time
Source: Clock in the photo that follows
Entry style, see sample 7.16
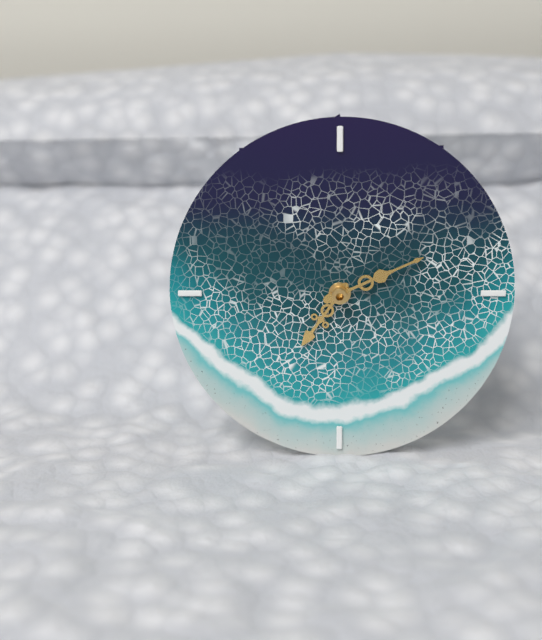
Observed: 7.11
